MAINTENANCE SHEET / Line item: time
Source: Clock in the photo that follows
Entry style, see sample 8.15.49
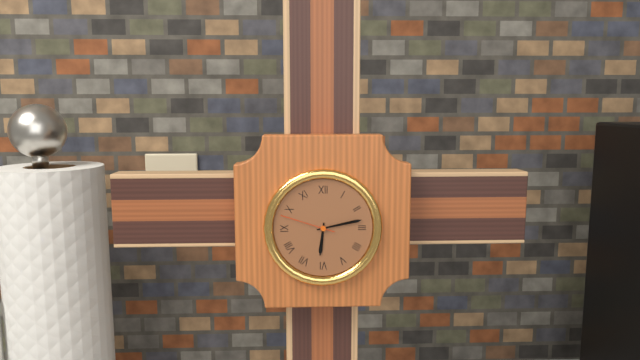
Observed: 6.13.48
